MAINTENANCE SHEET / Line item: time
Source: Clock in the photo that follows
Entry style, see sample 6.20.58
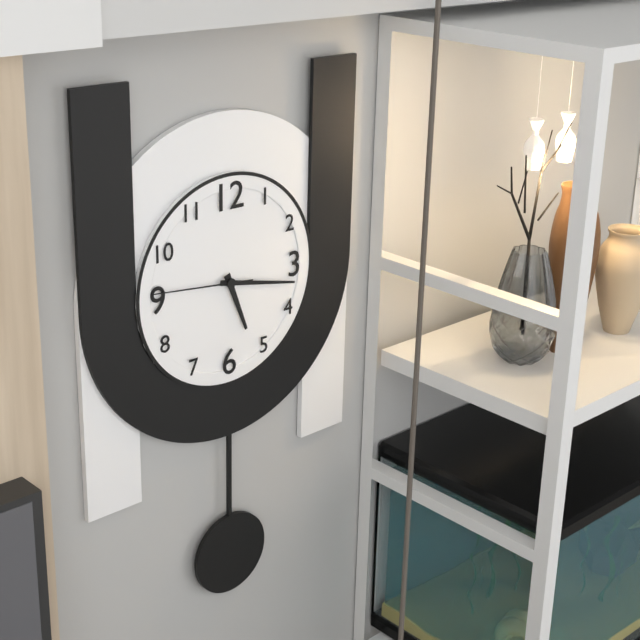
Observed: 5.17.46
